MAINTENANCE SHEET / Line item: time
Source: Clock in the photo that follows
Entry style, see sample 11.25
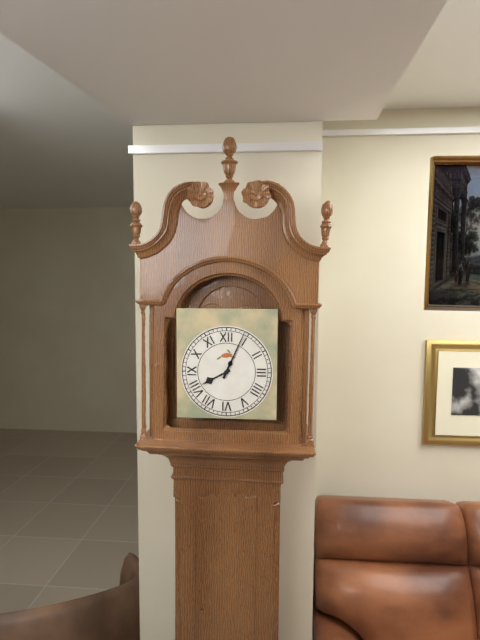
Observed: 8.04
